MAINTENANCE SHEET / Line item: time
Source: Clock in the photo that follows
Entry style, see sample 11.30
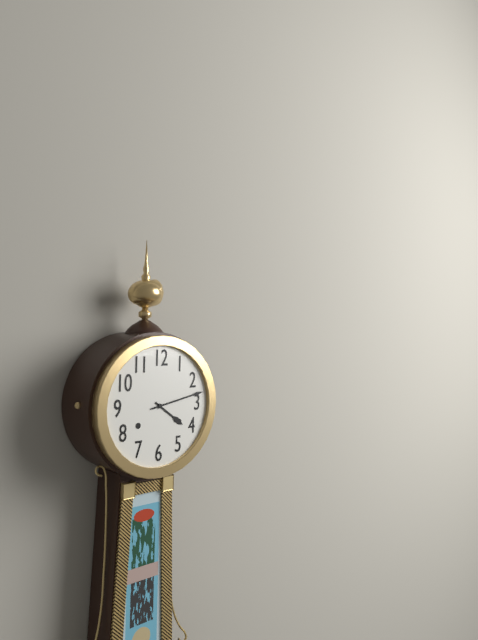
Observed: 4.13
